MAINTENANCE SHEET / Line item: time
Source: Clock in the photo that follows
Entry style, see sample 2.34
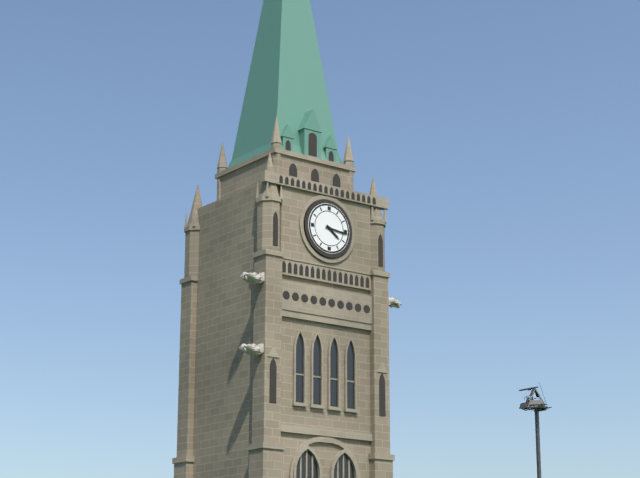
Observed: 4.16
